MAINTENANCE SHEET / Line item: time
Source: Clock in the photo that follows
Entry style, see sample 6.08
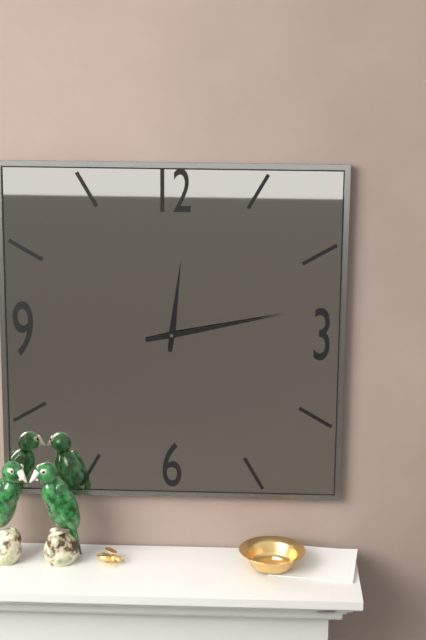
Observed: 12.13
